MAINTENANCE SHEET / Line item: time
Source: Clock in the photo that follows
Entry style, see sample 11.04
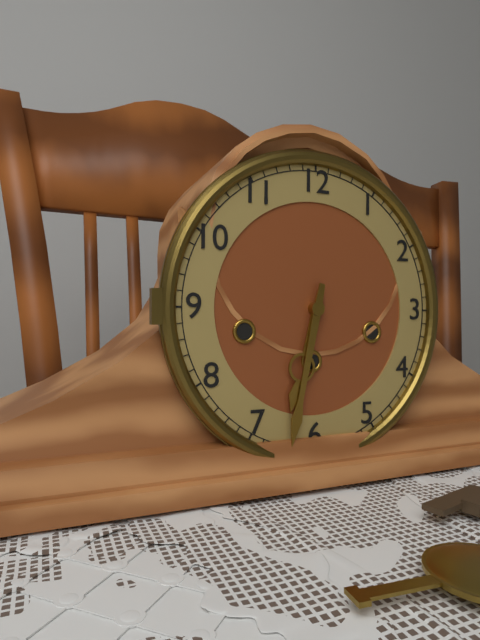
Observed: 6.32
